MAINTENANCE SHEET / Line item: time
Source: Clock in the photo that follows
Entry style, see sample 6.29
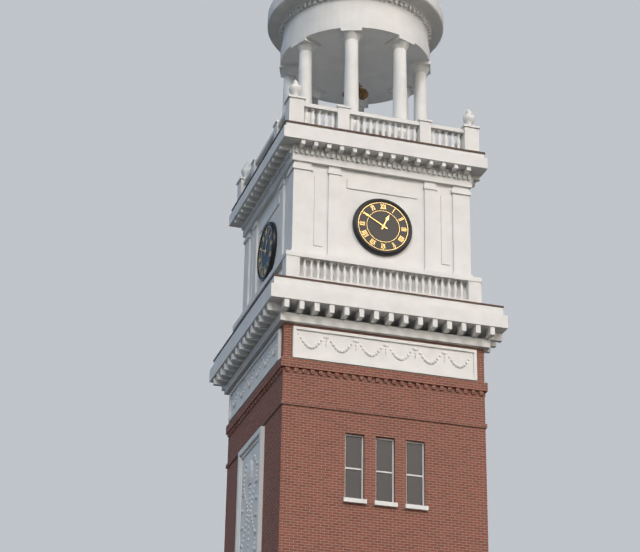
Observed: 12.50
